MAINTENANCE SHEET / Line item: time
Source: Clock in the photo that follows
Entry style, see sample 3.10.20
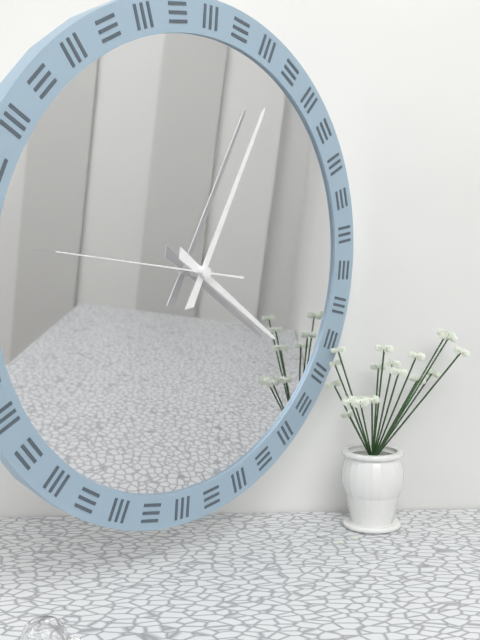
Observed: 4.04.46
